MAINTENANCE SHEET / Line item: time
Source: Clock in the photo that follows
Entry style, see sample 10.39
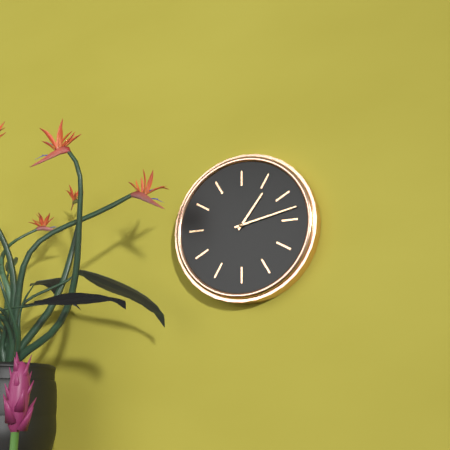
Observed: 1.13
